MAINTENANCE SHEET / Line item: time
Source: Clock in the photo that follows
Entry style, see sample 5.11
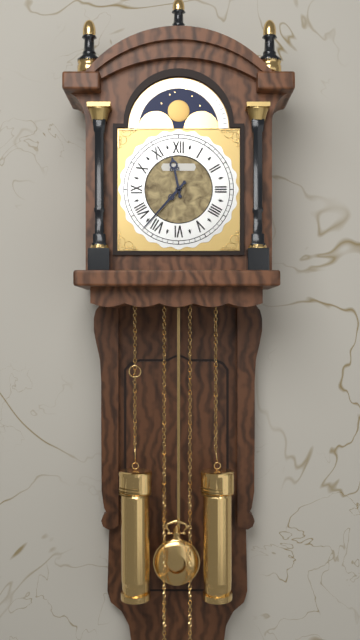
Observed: 11.37
